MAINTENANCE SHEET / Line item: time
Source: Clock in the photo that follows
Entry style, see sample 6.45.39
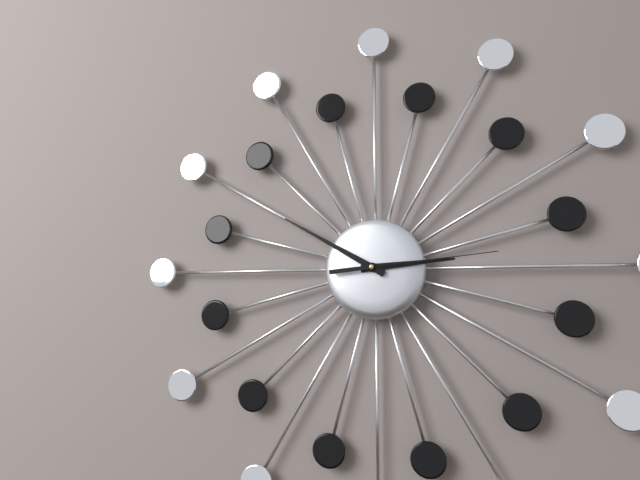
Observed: 2.50.14
